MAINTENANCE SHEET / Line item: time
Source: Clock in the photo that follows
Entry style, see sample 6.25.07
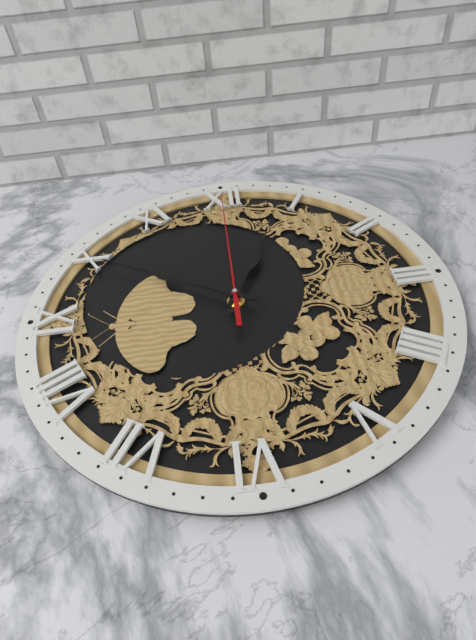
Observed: 12.50.00
